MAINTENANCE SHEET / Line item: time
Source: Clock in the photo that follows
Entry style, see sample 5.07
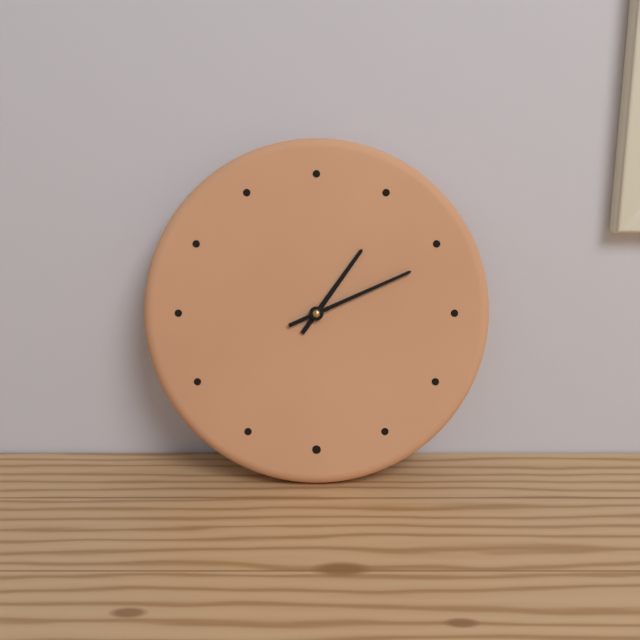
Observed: 1.11
